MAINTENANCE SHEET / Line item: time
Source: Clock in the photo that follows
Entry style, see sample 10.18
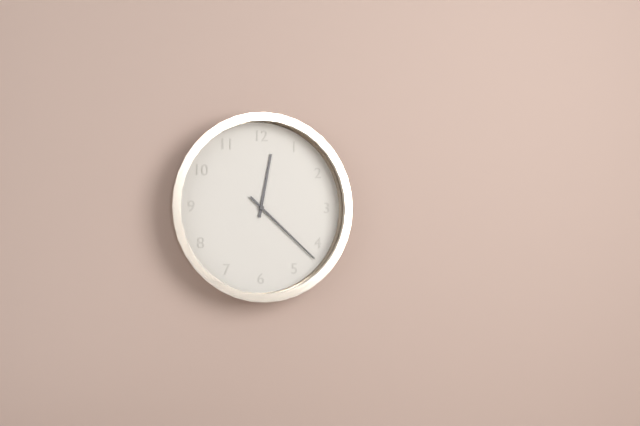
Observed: 12.22
